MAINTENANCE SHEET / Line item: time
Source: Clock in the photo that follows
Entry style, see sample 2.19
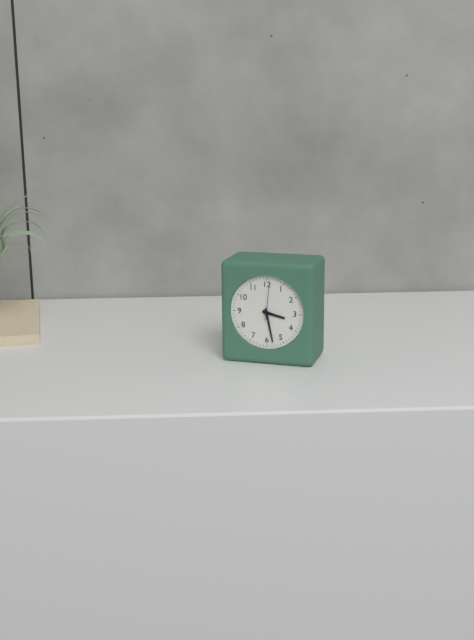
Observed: 3.28
